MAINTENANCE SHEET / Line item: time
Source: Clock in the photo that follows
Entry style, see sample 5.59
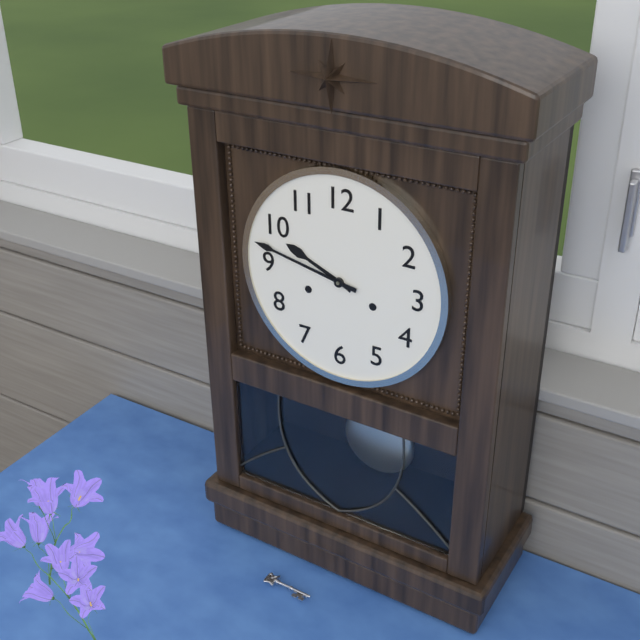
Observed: 9.47
